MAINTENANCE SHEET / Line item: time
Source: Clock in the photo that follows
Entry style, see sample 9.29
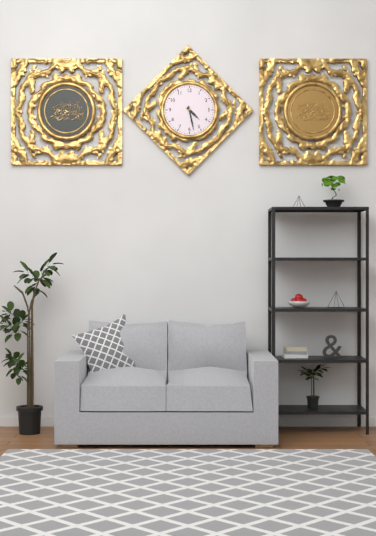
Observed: 4.28
